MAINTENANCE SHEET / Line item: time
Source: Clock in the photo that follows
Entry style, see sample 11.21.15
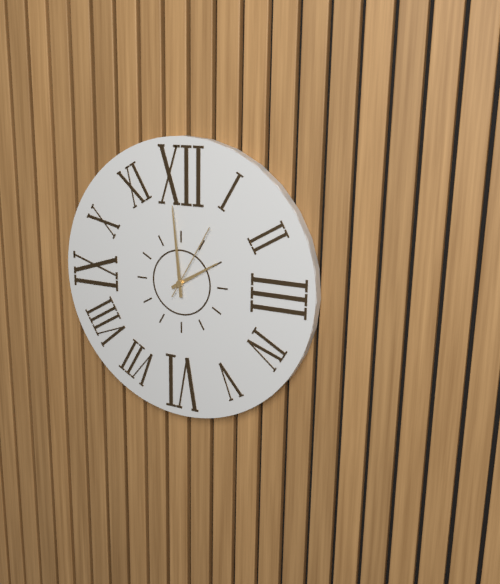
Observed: 1.59.05
